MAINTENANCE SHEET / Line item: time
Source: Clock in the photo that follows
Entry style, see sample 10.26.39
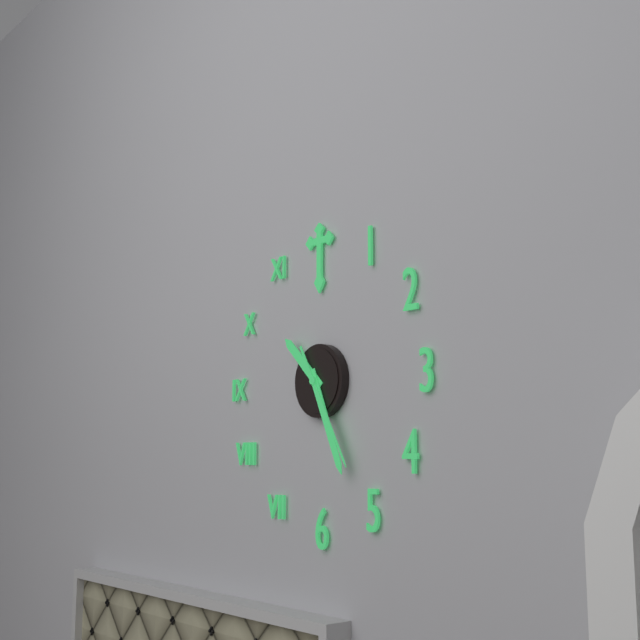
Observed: 10.26.25
